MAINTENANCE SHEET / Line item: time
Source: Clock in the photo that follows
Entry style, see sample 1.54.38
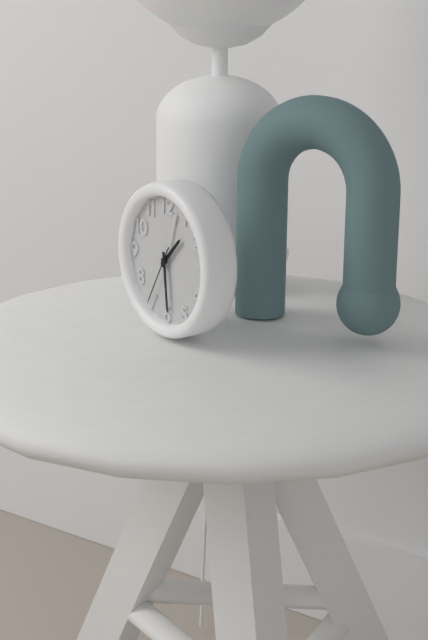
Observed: 1.29.35
